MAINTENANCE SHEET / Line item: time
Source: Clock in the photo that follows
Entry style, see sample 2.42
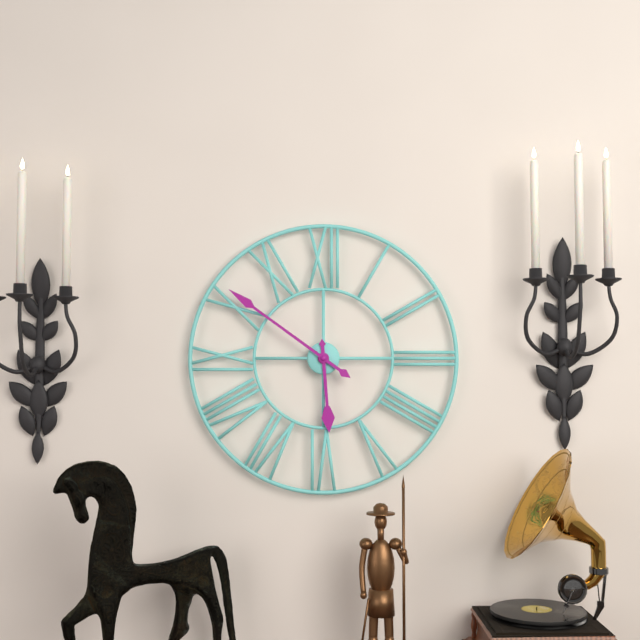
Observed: 5.51
